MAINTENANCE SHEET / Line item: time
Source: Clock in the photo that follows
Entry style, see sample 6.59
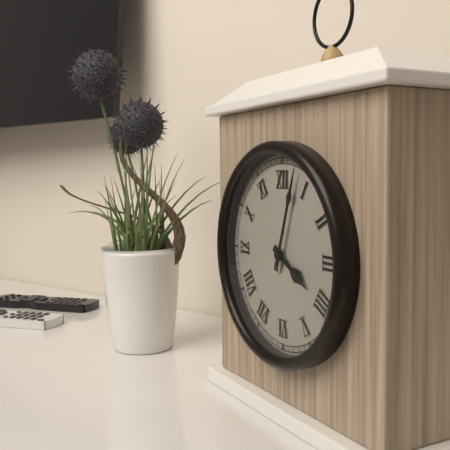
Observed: 4.03
